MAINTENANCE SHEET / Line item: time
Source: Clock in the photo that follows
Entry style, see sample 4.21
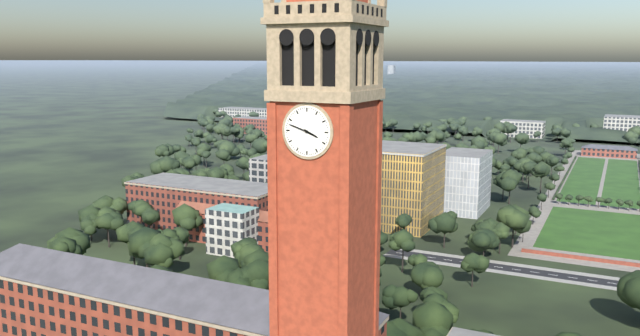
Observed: 3.48
